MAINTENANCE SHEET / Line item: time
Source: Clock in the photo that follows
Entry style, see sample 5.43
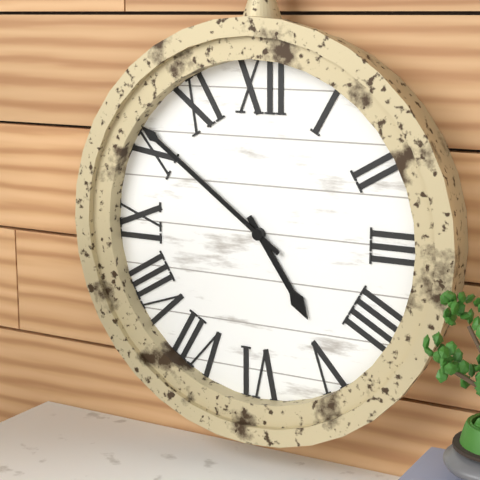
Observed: 4.51
